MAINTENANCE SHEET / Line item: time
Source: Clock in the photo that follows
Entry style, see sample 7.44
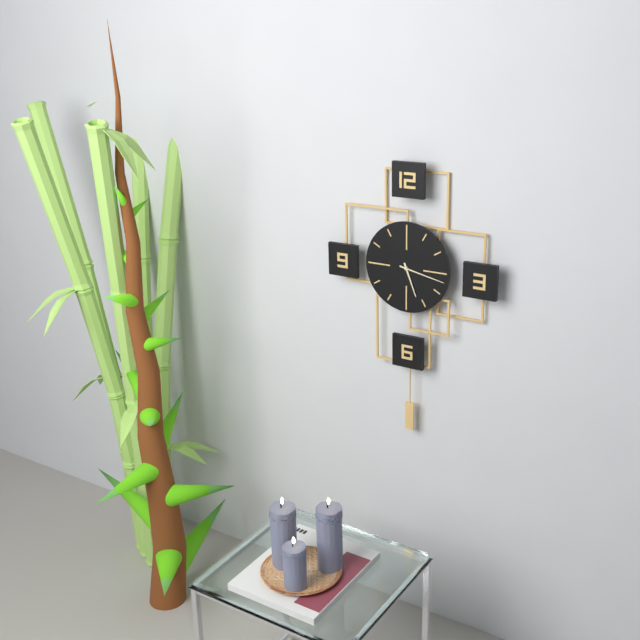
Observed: 5.17
